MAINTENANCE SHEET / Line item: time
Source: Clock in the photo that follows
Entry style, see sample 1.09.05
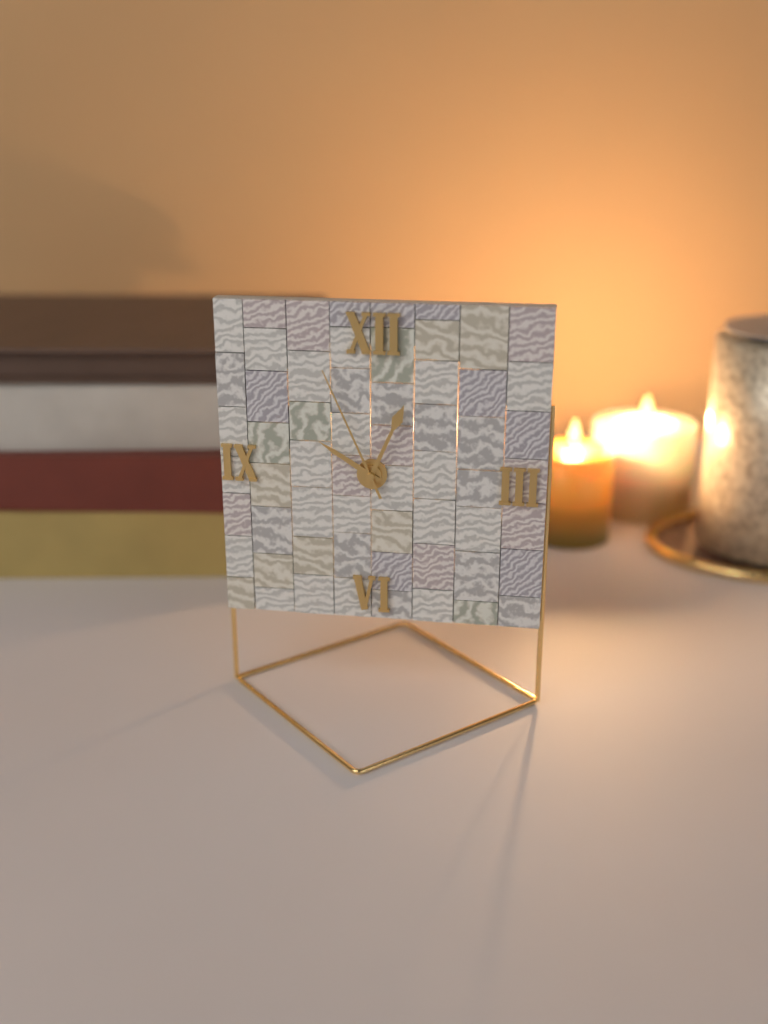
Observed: 10.04.56
